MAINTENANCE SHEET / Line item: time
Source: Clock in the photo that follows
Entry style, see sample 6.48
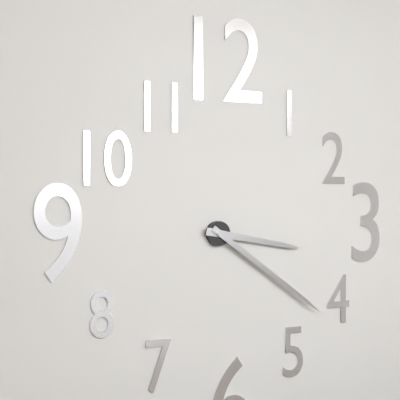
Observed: 3.21
